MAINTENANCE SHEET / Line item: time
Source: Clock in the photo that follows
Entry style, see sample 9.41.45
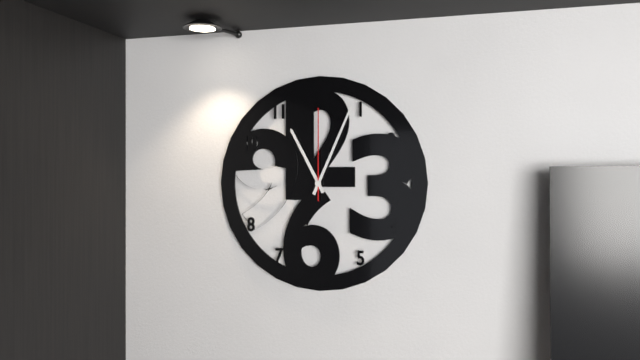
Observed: 11.04.00
